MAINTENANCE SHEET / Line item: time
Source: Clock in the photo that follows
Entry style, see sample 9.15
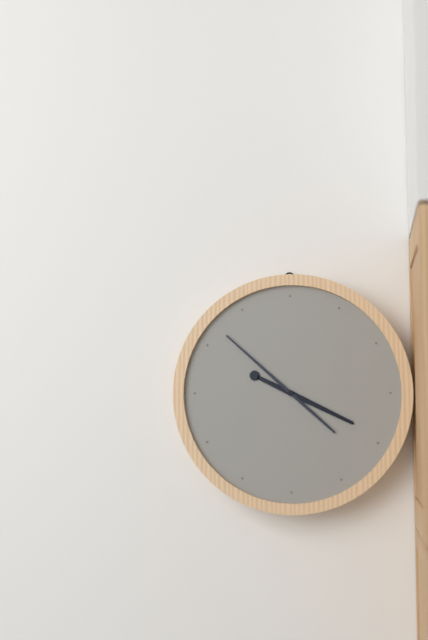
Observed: 3.52
